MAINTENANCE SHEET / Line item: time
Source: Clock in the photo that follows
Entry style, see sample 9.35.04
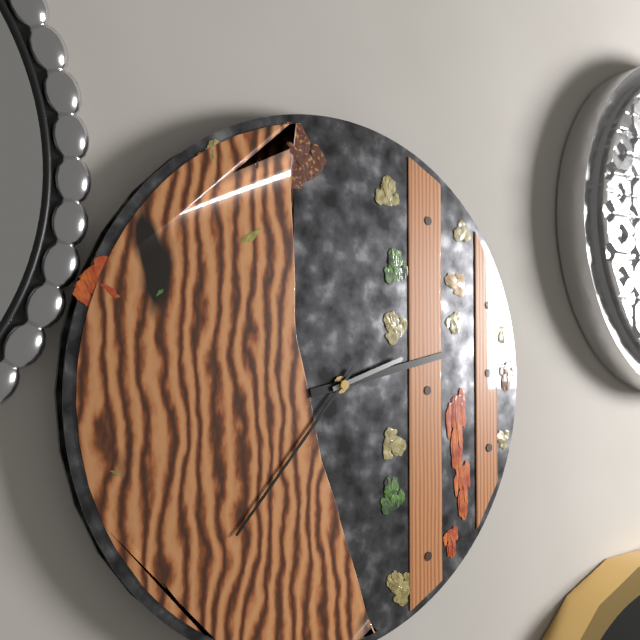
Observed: 2.37.12
